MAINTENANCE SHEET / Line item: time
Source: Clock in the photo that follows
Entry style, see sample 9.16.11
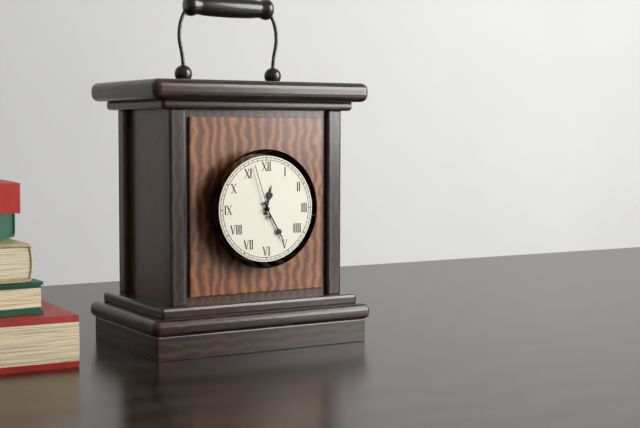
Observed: 12.25.57
